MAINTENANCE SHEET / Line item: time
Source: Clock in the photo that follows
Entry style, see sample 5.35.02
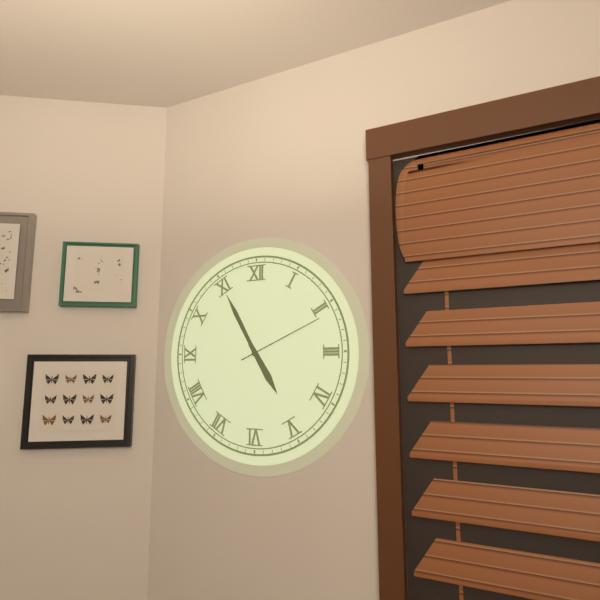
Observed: 4.55.11
